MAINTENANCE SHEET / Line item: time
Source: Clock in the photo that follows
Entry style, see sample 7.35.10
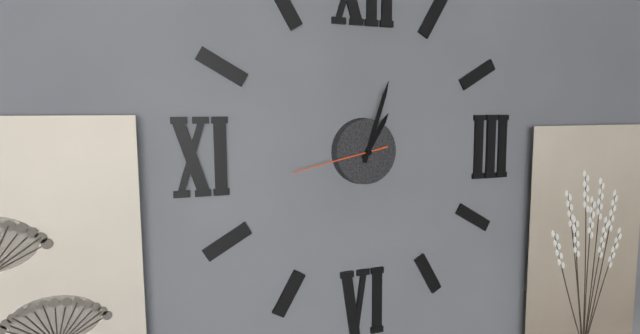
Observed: 1.03.43
